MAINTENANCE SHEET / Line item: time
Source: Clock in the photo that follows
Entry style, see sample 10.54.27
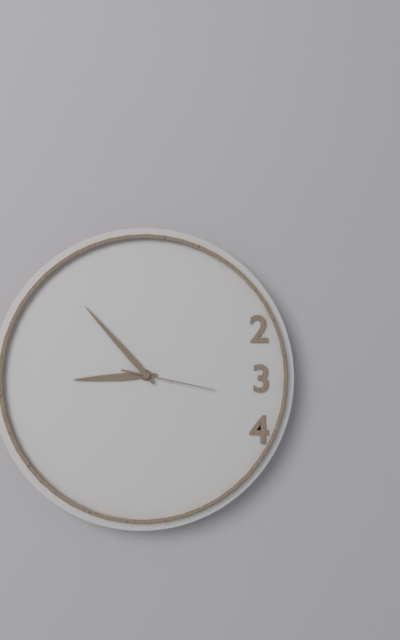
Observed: 8.53.17
